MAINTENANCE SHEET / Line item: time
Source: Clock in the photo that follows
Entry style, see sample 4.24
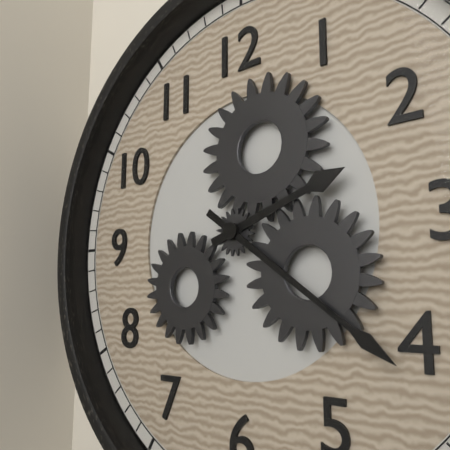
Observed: 2.21
